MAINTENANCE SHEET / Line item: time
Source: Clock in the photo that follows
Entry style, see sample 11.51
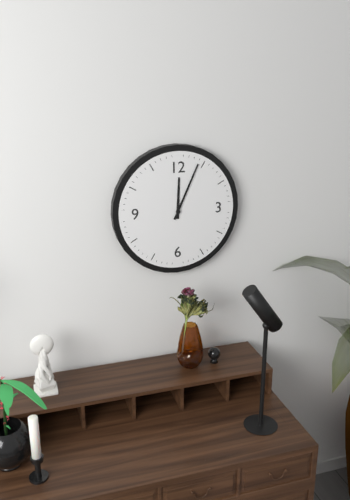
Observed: 12.04
